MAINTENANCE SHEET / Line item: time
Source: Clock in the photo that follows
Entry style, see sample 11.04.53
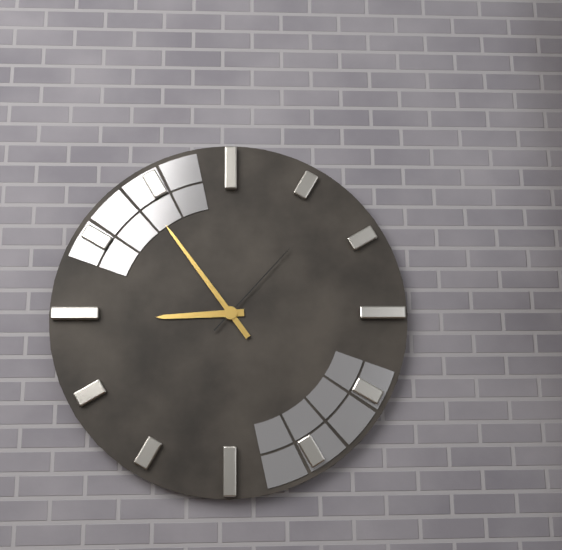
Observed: 8.54.07
